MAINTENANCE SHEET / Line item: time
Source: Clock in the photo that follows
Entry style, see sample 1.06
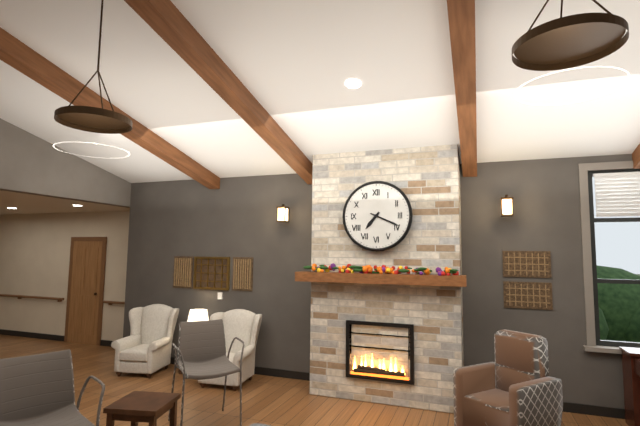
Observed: 7.19
